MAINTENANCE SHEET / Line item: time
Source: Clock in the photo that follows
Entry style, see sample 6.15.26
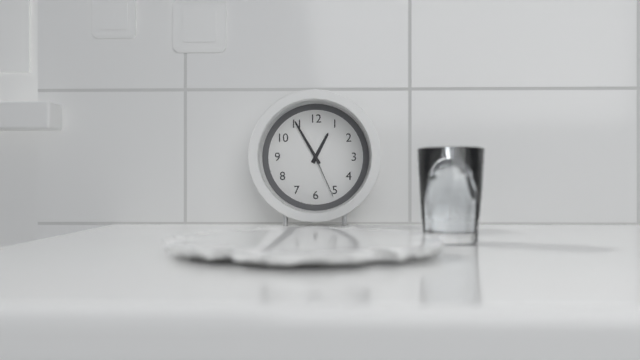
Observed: 12.55.26
